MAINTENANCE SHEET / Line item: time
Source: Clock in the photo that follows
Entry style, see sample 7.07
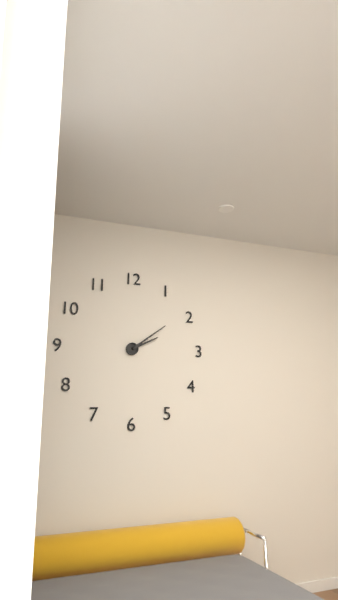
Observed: 2.09
